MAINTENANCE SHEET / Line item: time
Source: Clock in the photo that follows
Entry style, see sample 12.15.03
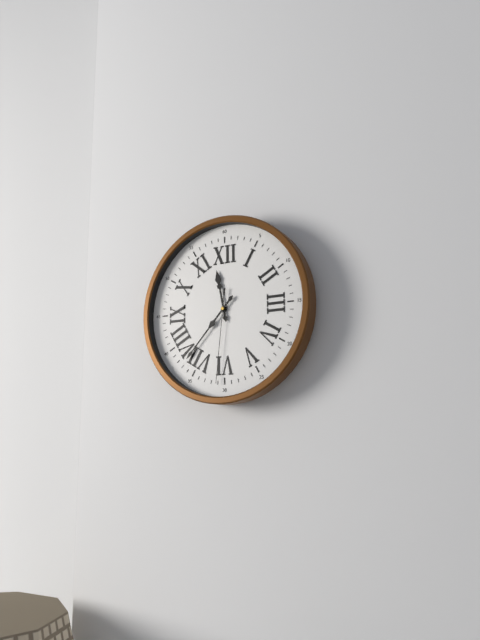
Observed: 11.37.31
